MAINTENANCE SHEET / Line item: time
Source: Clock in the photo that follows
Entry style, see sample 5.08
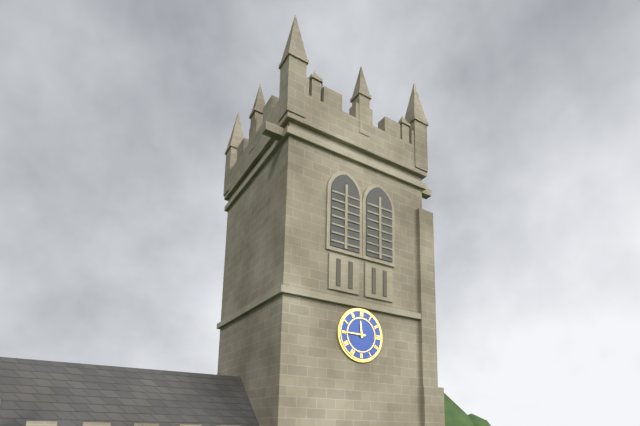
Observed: 11.45
